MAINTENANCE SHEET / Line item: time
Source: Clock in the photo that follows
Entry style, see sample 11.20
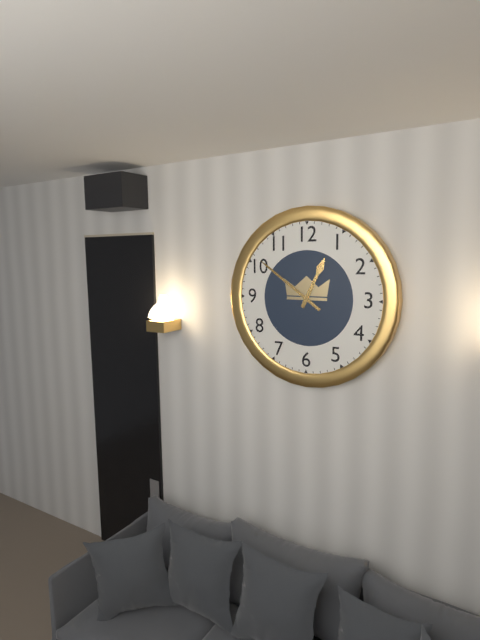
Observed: 12.51
